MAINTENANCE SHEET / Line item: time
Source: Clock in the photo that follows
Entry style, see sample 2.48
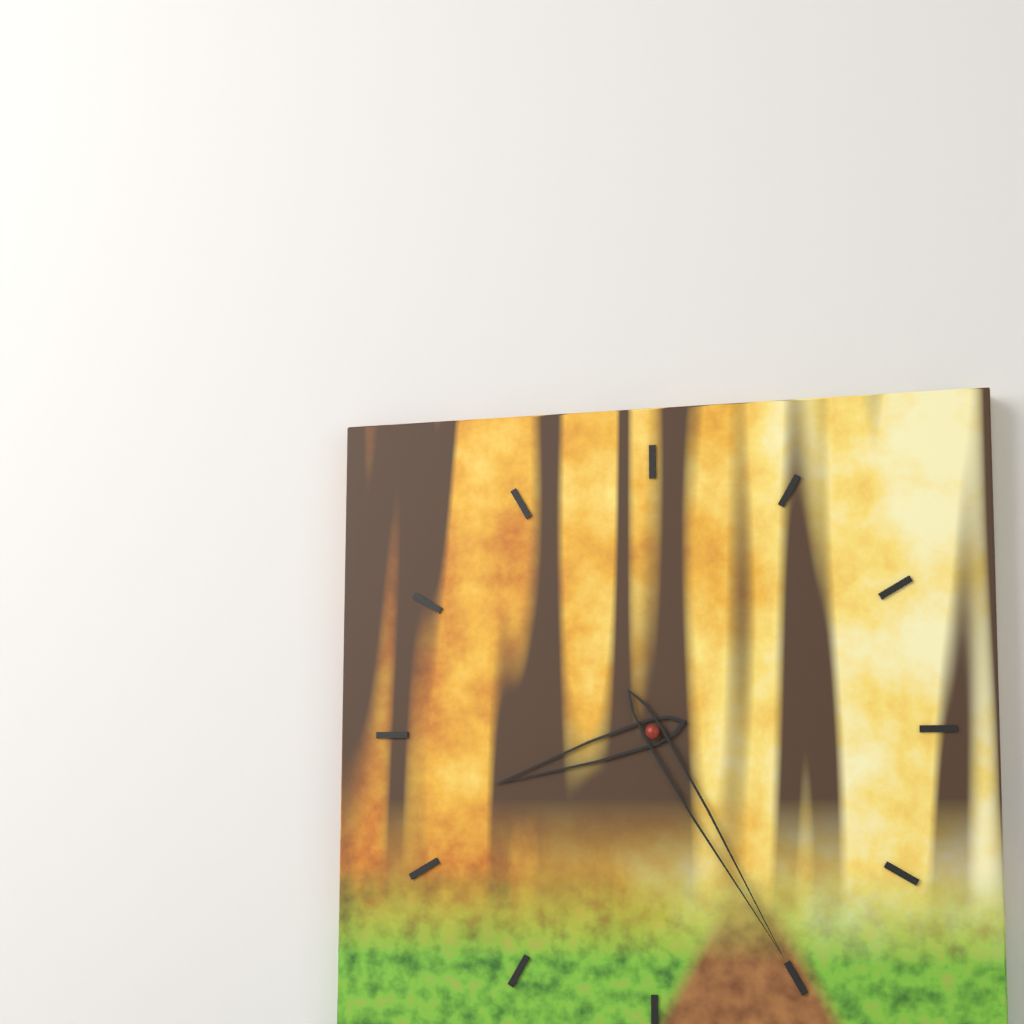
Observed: 8.25
